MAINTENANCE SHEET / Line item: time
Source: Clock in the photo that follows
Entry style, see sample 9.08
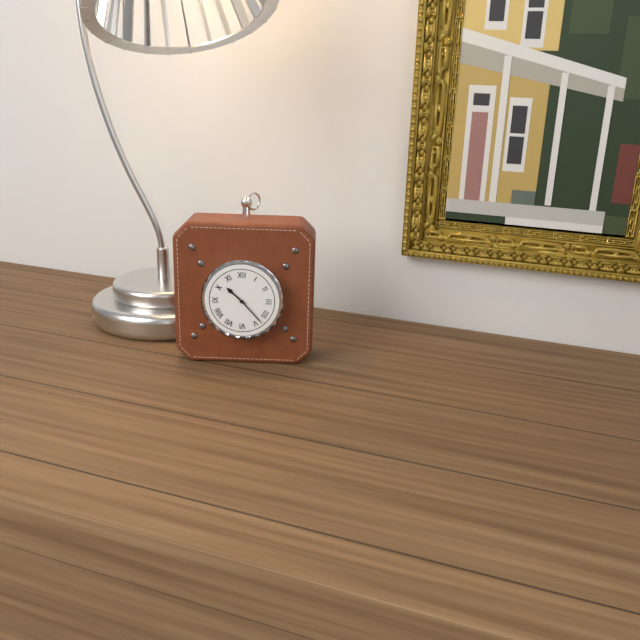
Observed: 10.23
